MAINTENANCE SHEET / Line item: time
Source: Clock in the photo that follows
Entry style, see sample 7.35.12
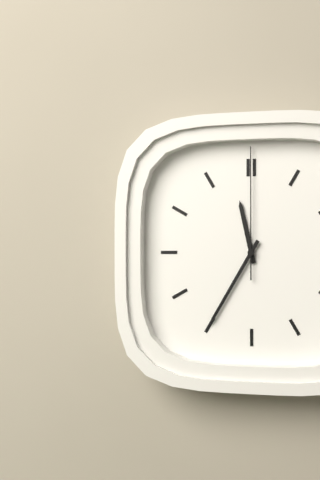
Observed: 11.35.00
